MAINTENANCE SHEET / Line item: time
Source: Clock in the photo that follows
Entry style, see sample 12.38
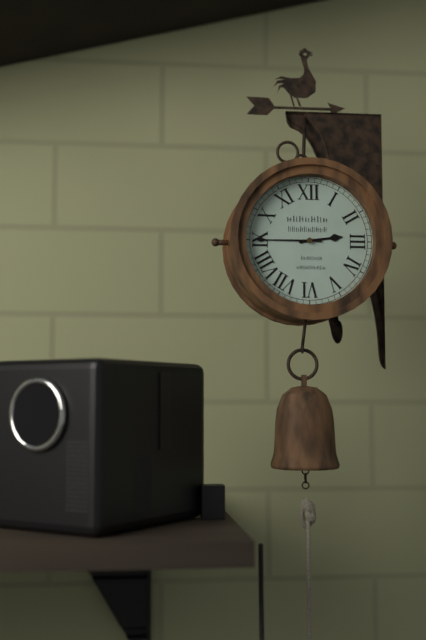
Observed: 2.45
